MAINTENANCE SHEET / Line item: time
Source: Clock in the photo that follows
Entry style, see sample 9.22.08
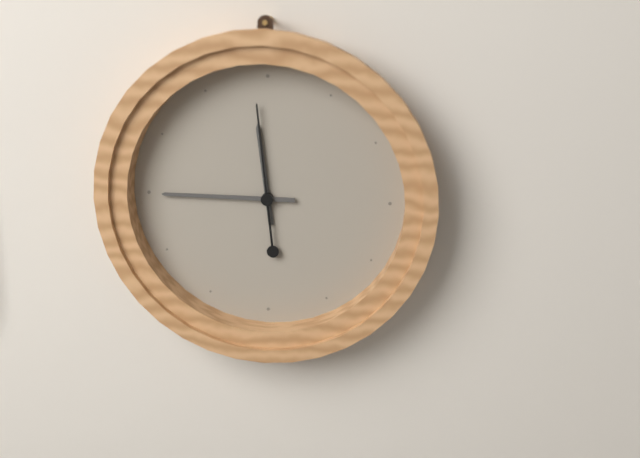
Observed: 11.45.59
